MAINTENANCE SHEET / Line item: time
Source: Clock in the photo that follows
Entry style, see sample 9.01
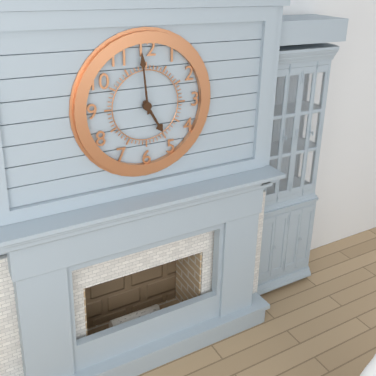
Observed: 4.59
